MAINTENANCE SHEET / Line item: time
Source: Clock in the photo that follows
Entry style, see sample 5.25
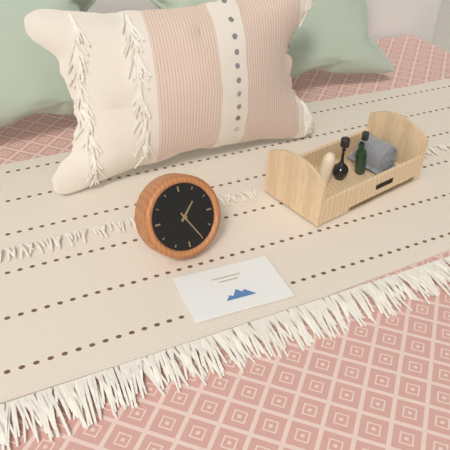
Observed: 1.25
